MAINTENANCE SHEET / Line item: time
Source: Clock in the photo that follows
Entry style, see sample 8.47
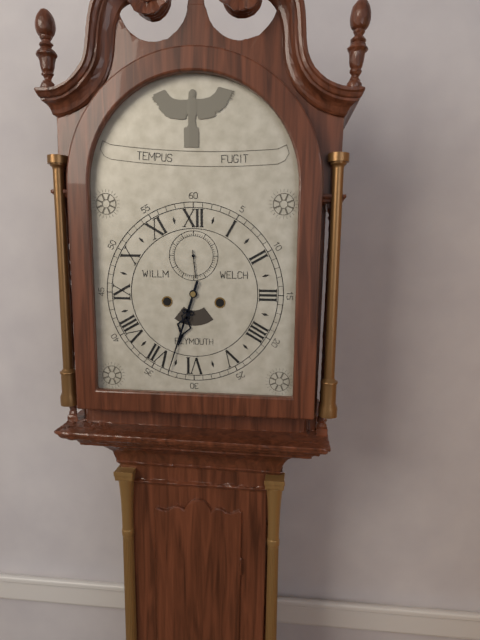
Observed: 6.33
